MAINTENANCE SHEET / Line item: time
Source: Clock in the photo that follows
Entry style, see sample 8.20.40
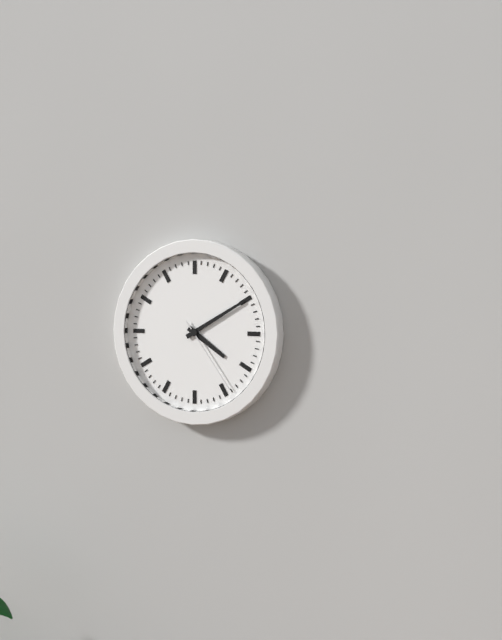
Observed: 4.10.24
